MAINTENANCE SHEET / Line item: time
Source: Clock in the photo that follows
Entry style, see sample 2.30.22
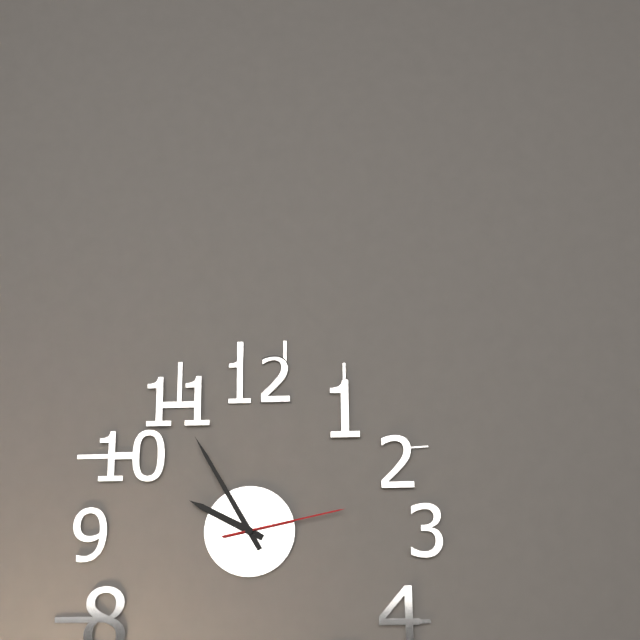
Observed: 9.55.13
